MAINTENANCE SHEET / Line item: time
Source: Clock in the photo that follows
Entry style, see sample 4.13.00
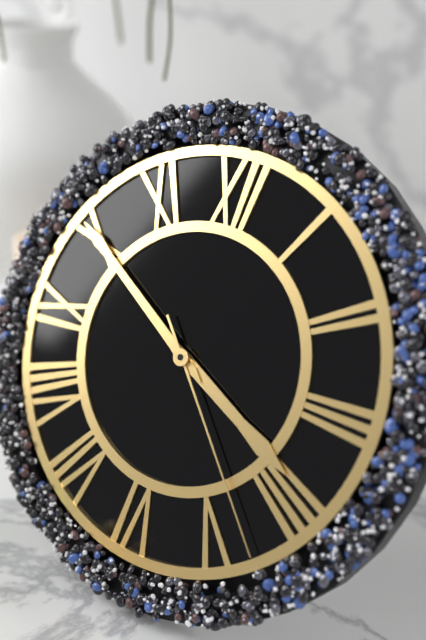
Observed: 3.50.23
